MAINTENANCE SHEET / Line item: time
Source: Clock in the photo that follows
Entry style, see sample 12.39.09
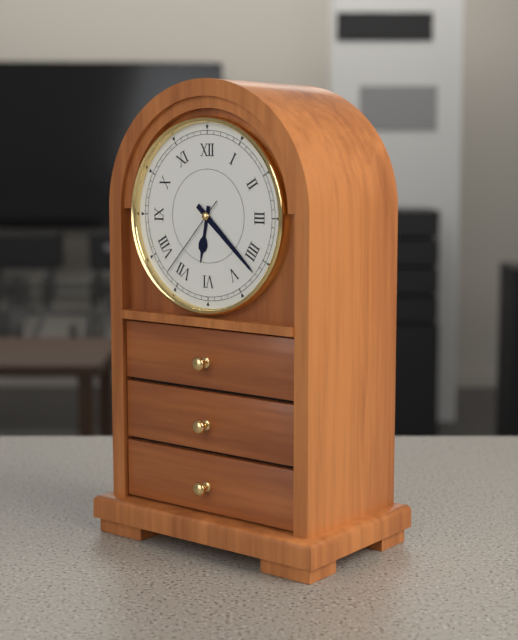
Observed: 6.22.37
